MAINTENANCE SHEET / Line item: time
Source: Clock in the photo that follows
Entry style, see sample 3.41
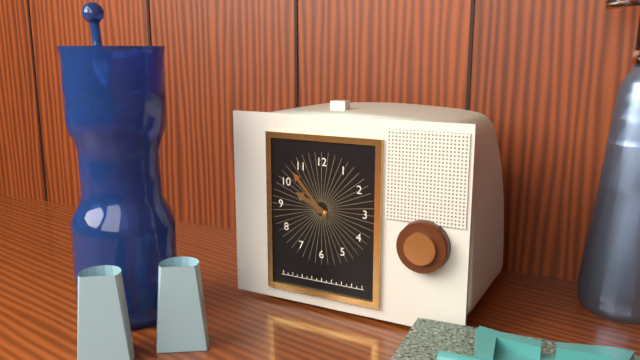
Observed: 9.53
